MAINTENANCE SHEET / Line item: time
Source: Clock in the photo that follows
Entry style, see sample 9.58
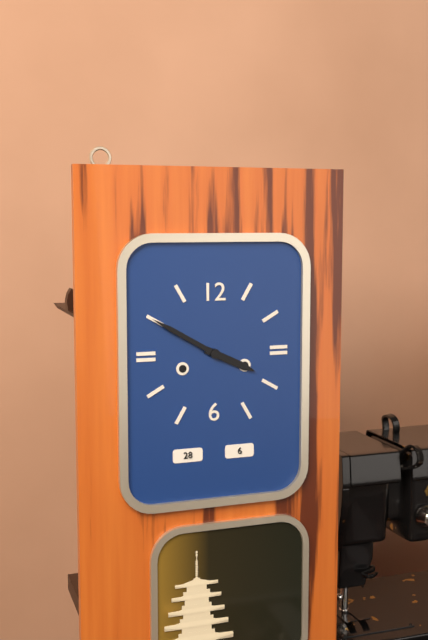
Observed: 3.50
